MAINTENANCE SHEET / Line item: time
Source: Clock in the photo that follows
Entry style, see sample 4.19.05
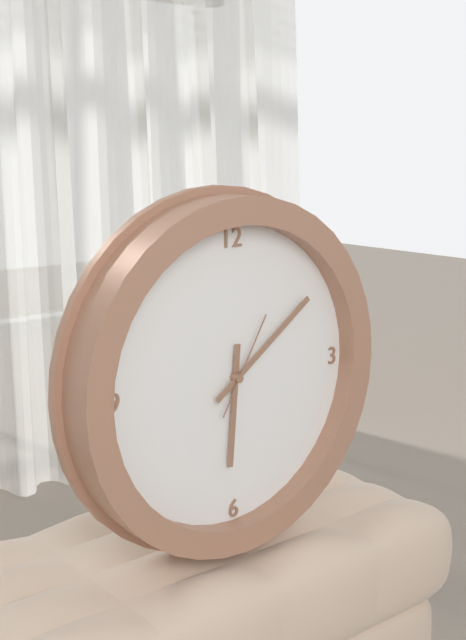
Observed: 6.09.05
